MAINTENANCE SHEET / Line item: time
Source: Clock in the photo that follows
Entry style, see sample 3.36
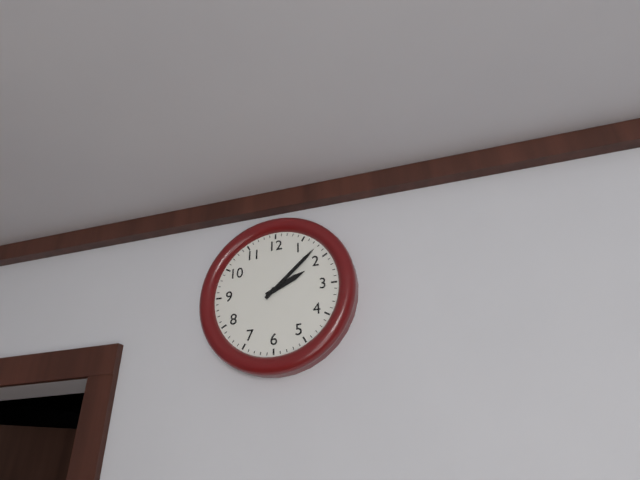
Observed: 2.08
